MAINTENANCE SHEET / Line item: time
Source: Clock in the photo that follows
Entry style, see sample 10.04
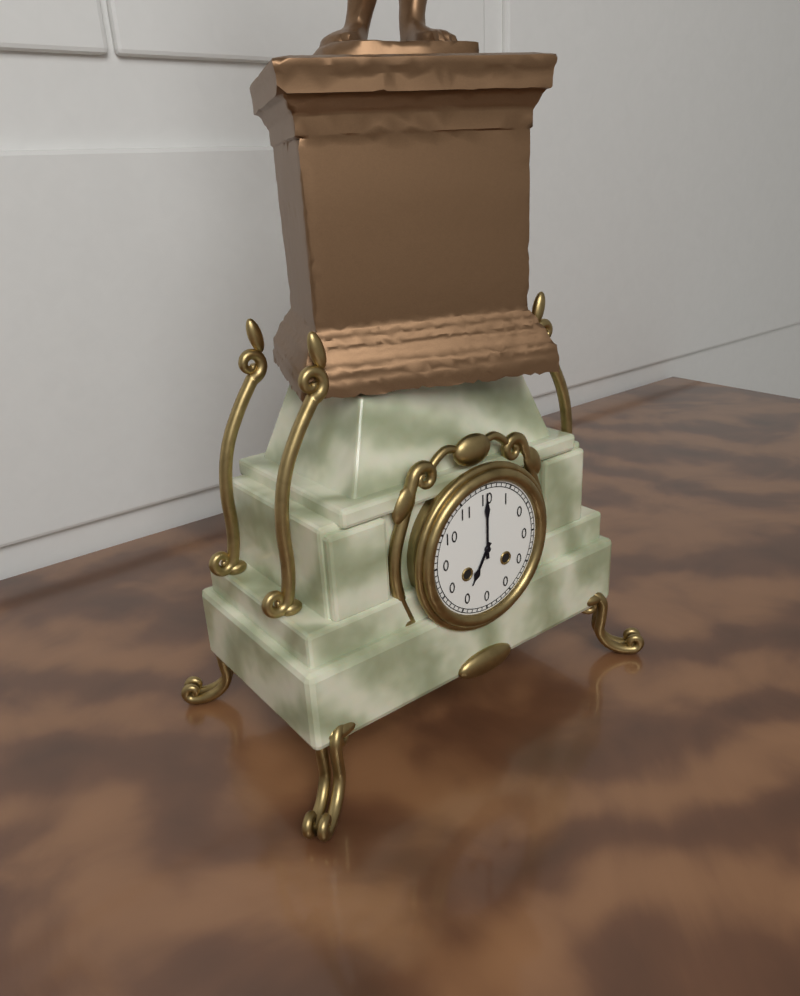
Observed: 7.00
